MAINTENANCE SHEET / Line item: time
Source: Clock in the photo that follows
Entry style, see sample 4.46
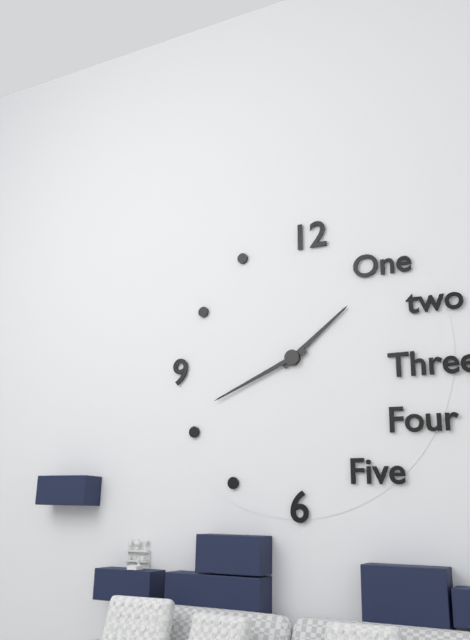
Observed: 1.41
